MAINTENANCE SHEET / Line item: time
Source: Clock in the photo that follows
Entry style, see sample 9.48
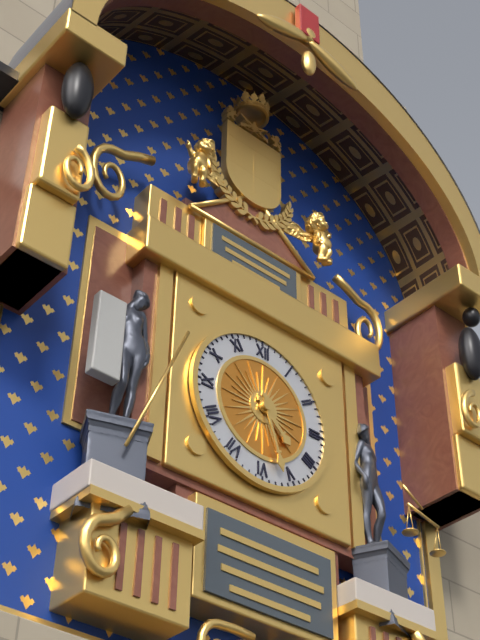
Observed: 4.27
